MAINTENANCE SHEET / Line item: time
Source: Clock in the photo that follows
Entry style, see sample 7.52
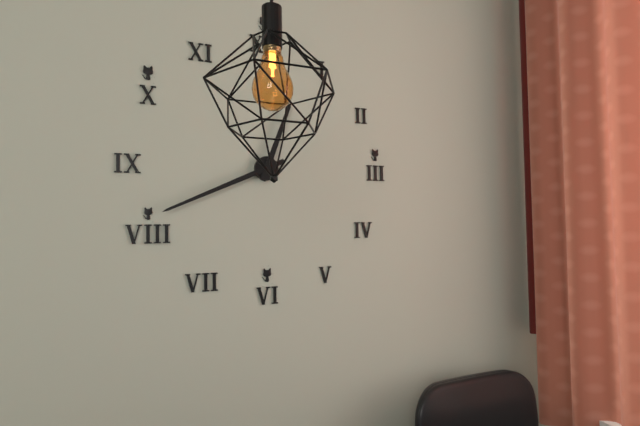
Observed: 12.41
